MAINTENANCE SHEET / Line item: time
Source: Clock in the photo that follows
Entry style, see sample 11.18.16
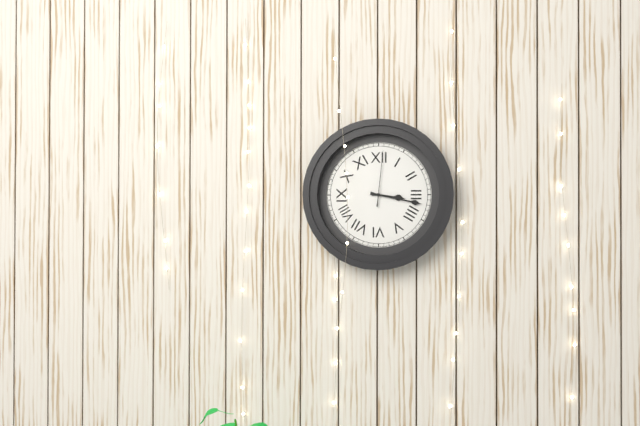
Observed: 3.17.01
